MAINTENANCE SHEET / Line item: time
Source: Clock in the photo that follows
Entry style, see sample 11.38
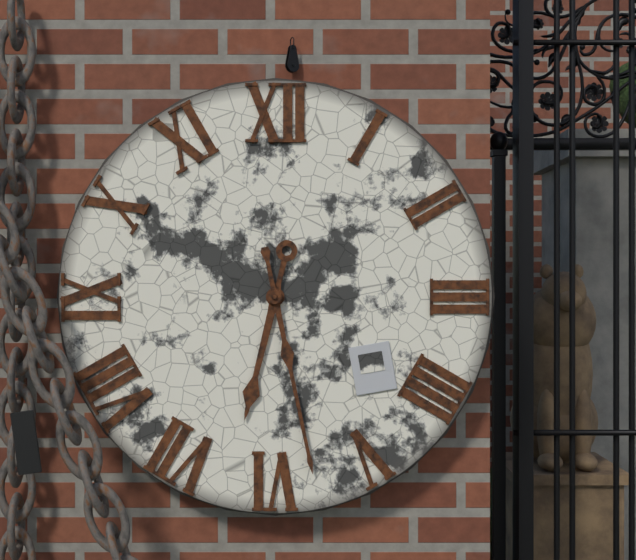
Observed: 6.28
